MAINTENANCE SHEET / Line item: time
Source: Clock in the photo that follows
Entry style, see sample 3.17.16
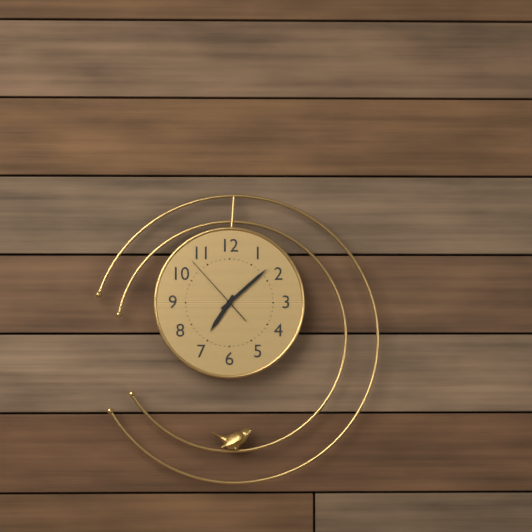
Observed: 7.08.53
